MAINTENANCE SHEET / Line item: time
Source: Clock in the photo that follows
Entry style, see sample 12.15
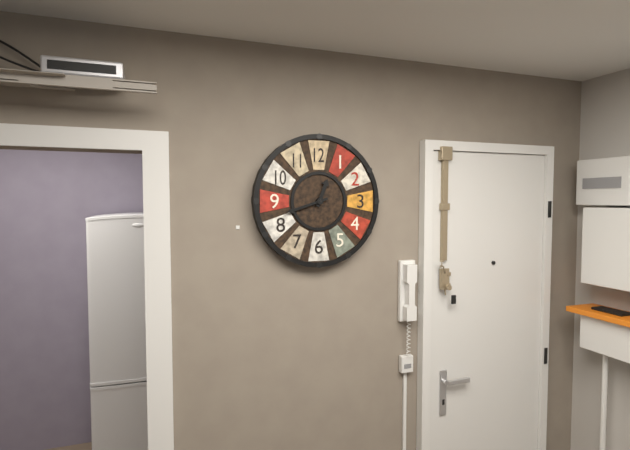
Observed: 12.42
